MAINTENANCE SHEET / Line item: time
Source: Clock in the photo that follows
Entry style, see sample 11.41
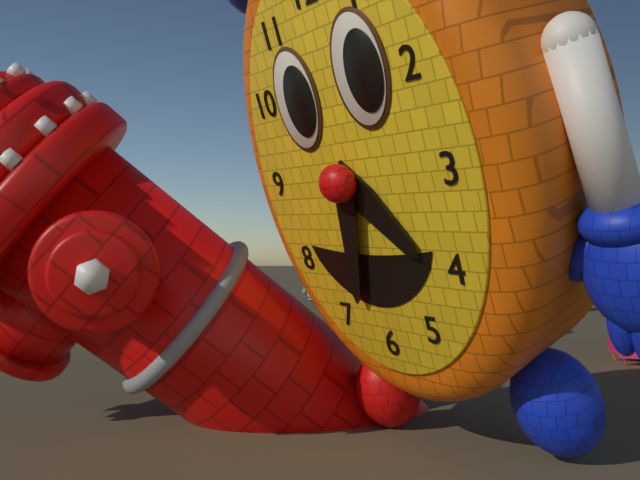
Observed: 4.32
